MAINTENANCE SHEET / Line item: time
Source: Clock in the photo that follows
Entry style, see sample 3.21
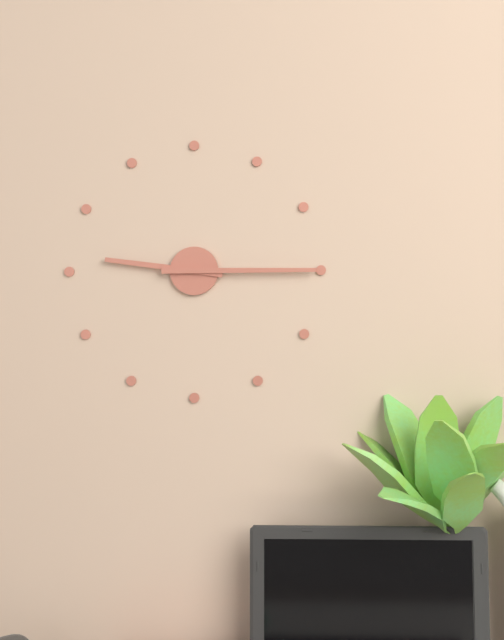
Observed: 9.15
